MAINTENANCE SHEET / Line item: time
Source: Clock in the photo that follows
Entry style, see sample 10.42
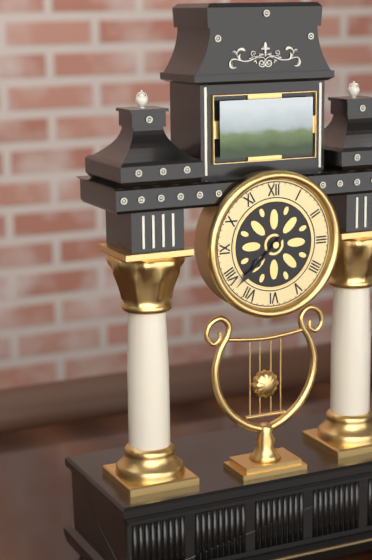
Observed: 7.38
